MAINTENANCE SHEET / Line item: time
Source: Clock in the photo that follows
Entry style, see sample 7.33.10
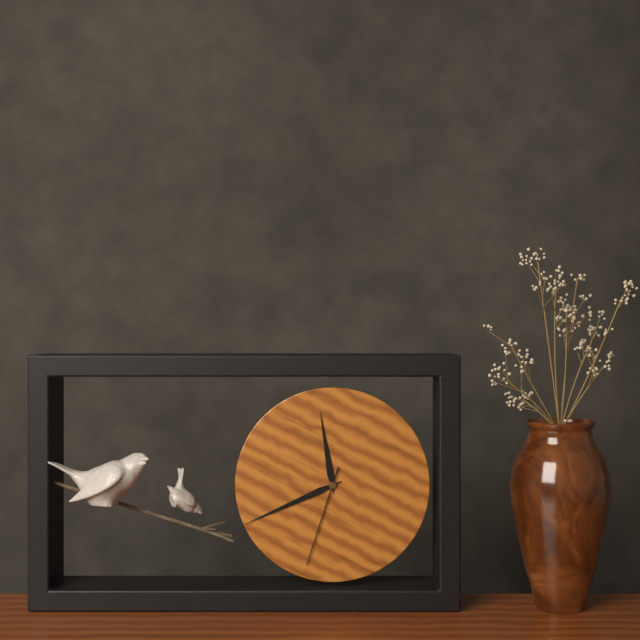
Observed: 11.41.33
